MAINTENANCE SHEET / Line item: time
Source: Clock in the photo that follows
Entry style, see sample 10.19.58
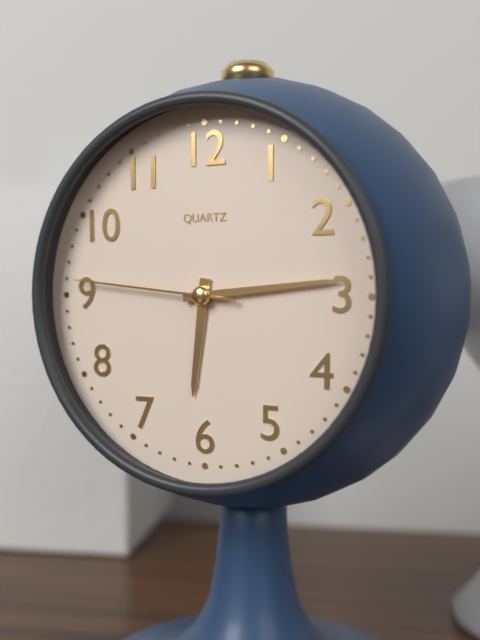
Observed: 6.14.46
